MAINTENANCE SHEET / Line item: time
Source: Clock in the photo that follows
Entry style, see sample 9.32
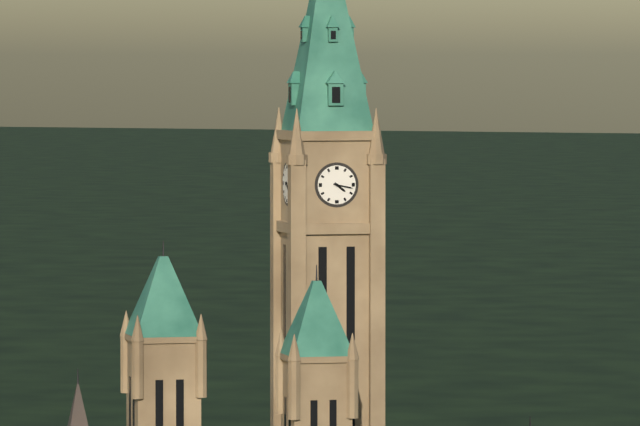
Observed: 4.17
